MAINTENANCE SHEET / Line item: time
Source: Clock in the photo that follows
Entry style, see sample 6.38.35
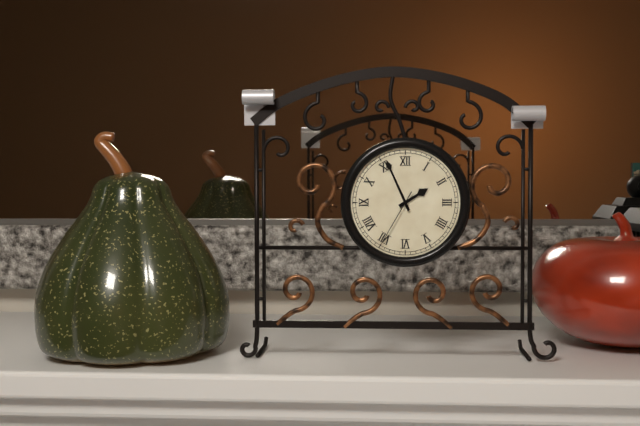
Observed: 1.56.35
